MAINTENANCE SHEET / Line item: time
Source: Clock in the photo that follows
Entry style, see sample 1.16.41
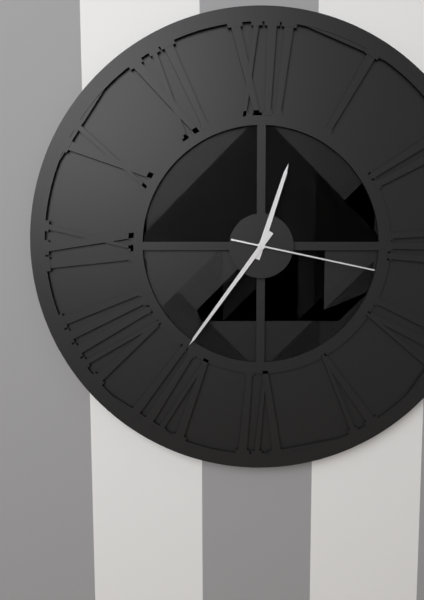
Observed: 12.36.17
